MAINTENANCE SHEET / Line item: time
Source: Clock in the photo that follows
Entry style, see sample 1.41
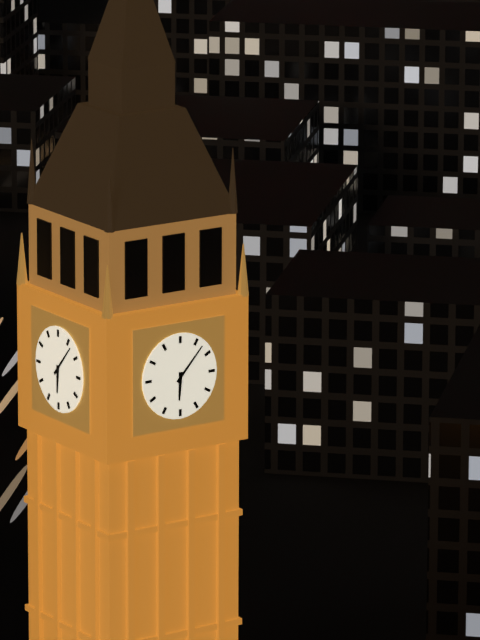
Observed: 6.07
